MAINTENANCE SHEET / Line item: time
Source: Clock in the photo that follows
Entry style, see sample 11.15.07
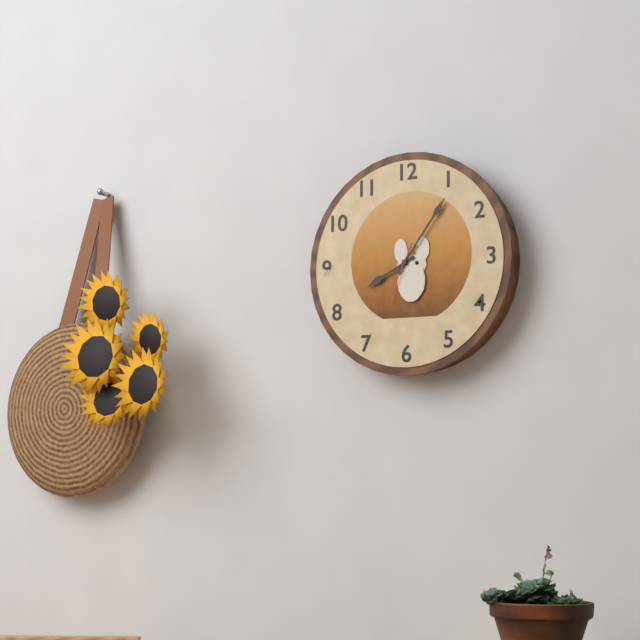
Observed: 8.06.34
